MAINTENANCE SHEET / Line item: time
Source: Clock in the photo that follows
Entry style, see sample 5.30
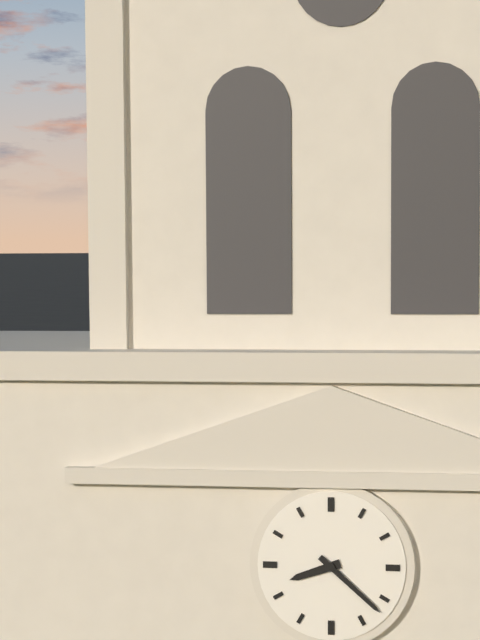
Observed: 8.22
